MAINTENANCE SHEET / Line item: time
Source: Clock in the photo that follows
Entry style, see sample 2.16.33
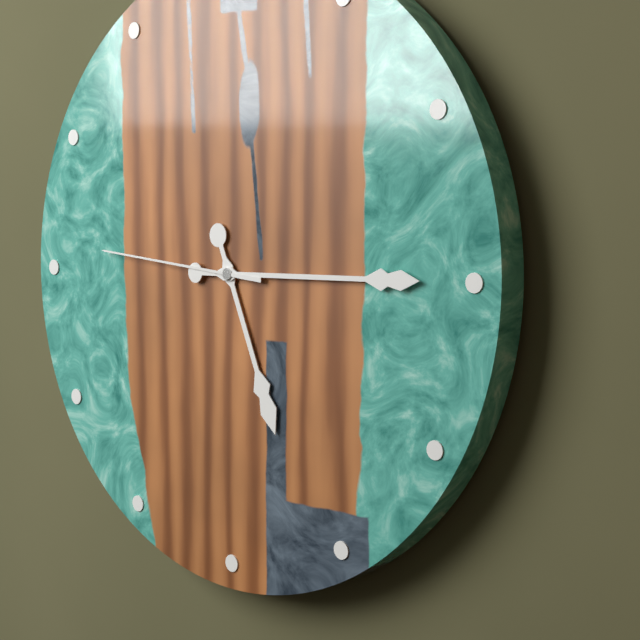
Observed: 5.15.46
